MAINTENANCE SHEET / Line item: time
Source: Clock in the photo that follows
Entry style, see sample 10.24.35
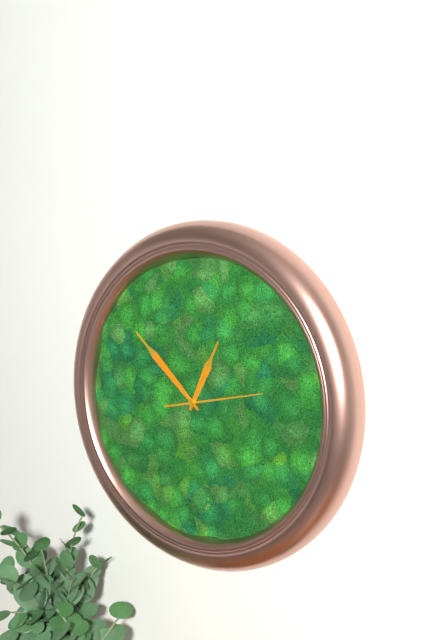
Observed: 12.52.13
